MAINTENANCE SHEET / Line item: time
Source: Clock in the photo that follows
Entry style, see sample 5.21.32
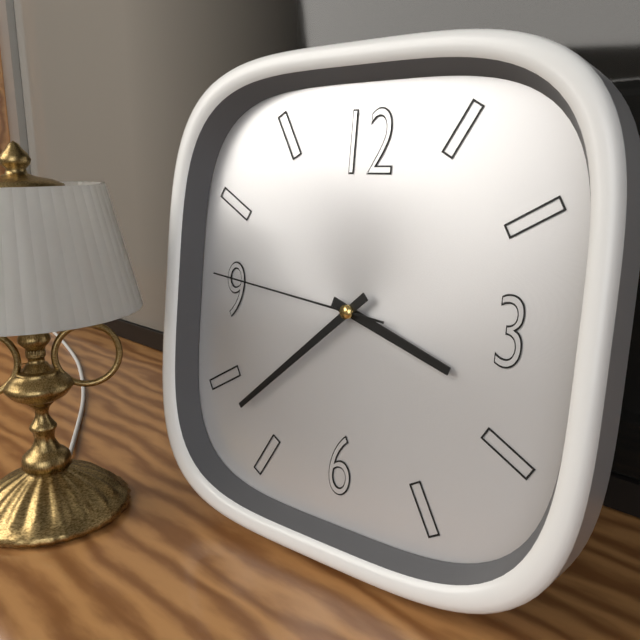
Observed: 3.38.46
